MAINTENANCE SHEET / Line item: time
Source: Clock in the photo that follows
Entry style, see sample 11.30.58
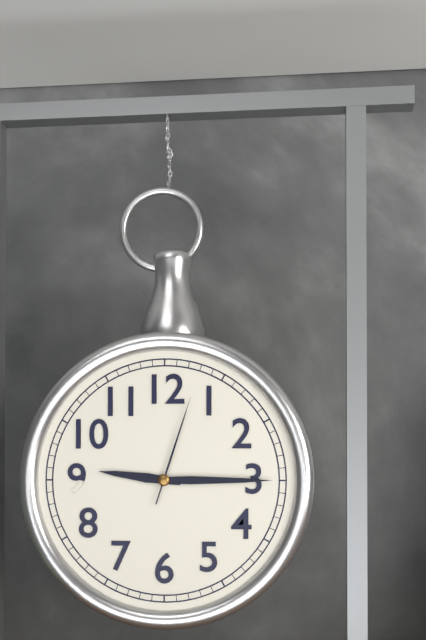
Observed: 9.15.03
